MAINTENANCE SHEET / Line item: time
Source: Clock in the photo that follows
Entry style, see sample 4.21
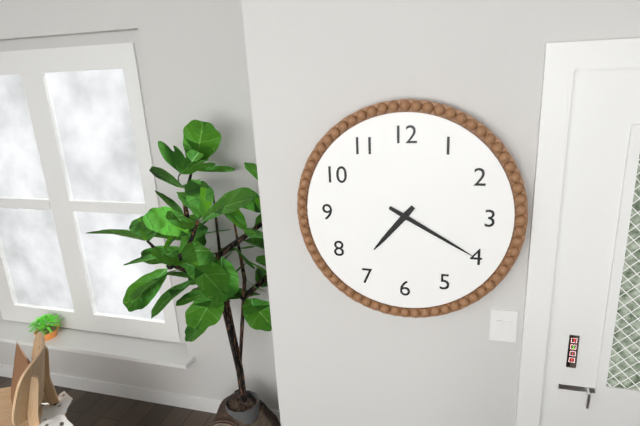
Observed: 7.20
